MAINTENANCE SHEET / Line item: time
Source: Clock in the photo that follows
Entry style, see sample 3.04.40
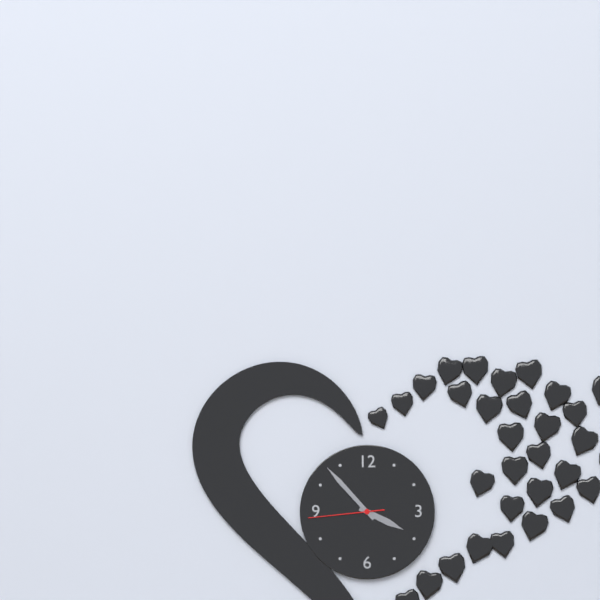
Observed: 3.53.44
